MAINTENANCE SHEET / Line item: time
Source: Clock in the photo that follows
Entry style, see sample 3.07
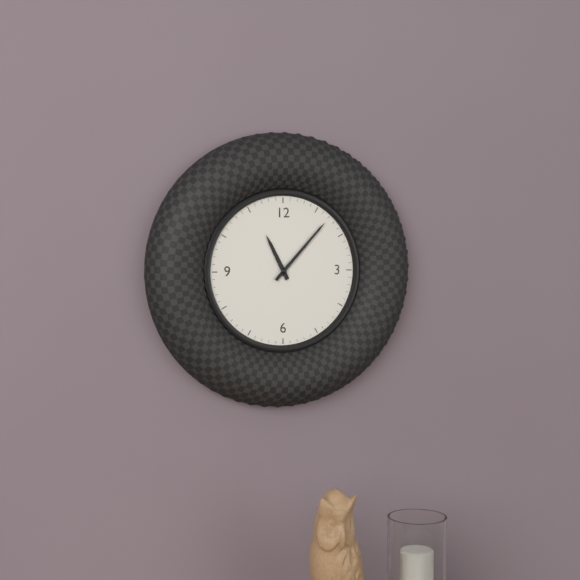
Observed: 11.07
